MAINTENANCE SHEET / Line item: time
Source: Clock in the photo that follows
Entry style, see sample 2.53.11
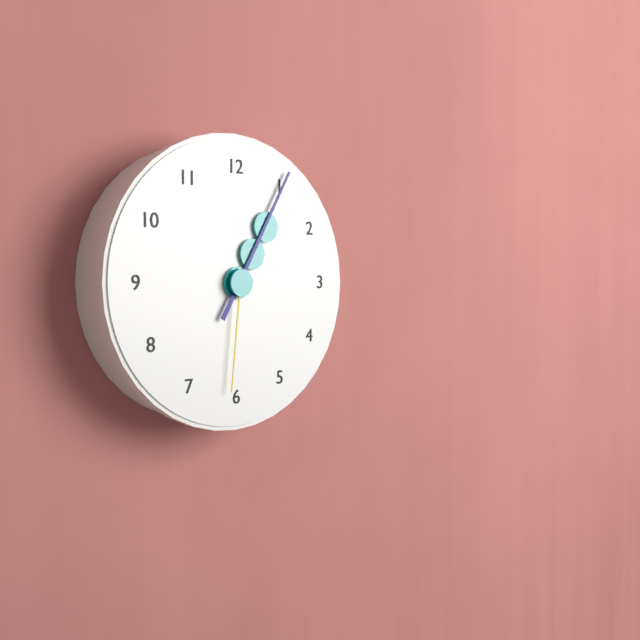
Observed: 1.05.31
